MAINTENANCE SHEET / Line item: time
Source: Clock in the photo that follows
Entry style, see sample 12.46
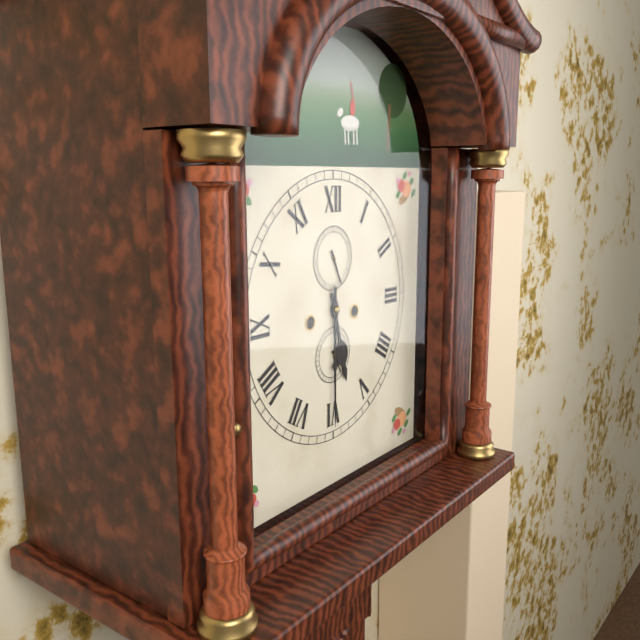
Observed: 5.30
